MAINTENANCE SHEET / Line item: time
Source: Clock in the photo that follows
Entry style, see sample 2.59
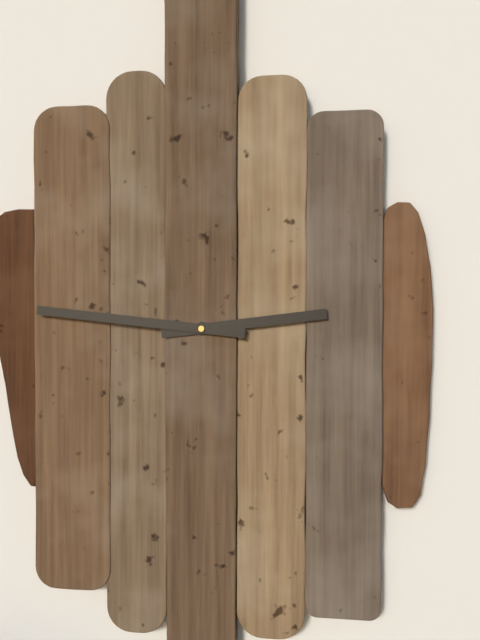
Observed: 2.46
